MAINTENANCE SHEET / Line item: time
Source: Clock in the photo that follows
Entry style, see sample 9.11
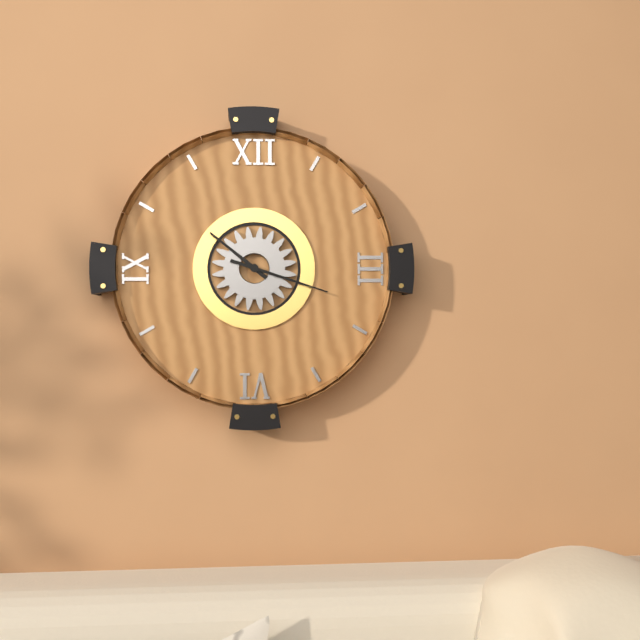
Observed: 10.18
